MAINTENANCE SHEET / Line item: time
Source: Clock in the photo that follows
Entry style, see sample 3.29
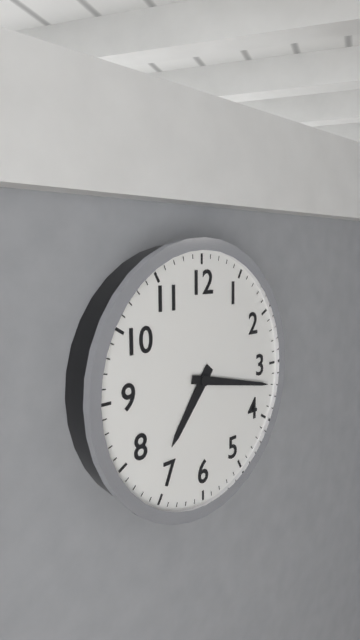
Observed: 7.17
